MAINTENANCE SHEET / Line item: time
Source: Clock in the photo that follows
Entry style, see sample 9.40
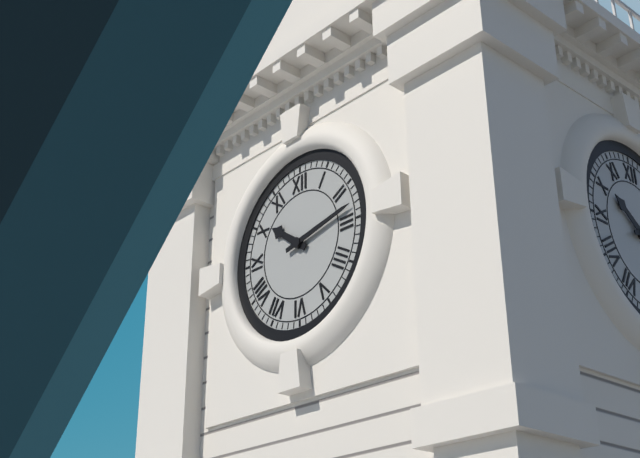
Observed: 10.13
